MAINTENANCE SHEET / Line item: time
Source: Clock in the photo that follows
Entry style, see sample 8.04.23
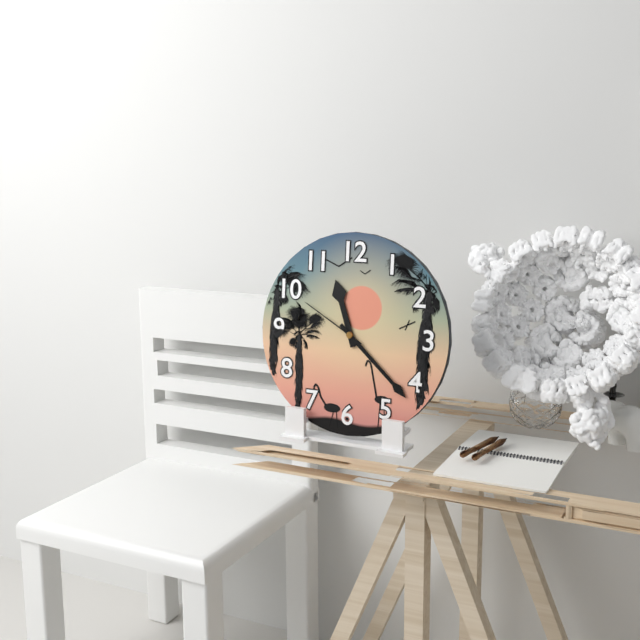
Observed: 11.22.50
